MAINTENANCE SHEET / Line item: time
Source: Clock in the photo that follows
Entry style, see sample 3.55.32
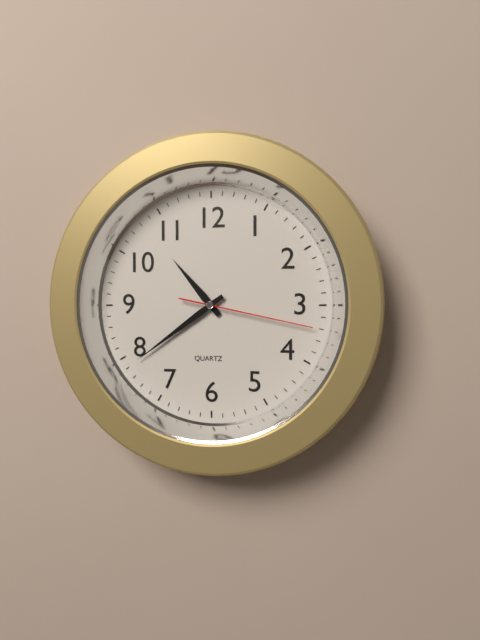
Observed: 10.39.17
